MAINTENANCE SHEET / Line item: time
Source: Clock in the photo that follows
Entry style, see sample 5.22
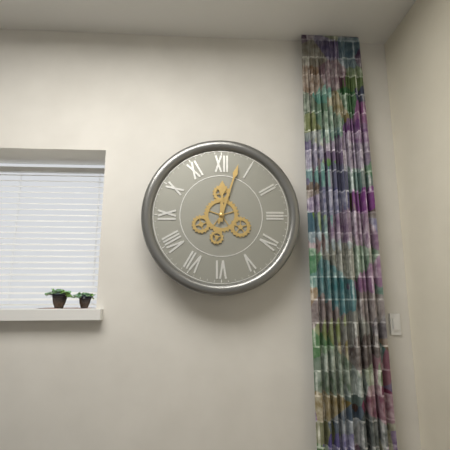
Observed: 12.03
